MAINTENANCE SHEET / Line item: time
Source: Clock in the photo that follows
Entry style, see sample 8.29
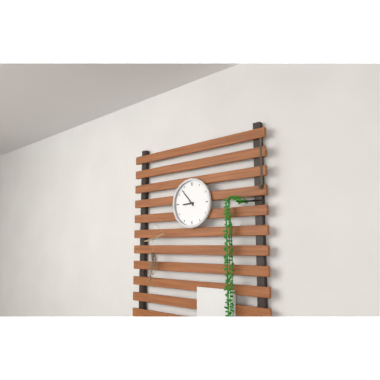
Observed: 8.53
